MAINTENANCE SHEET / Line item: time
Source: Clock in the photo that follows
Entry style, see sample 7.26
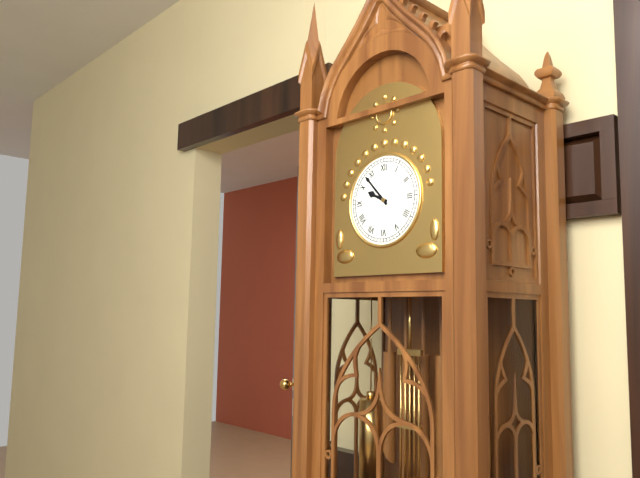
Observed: 9.53
